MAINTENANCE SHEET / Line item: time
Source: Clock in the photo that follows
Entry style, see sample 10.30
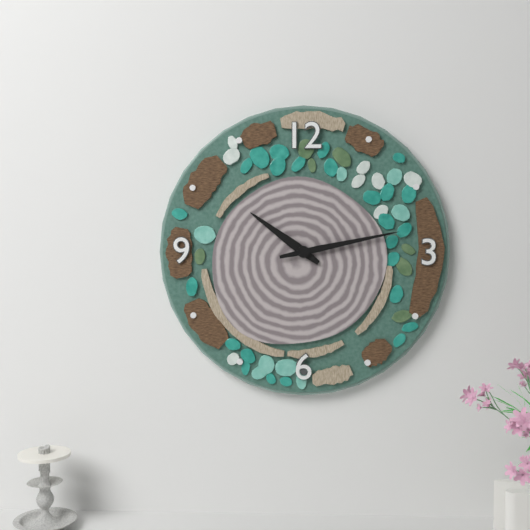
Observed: 10.13
